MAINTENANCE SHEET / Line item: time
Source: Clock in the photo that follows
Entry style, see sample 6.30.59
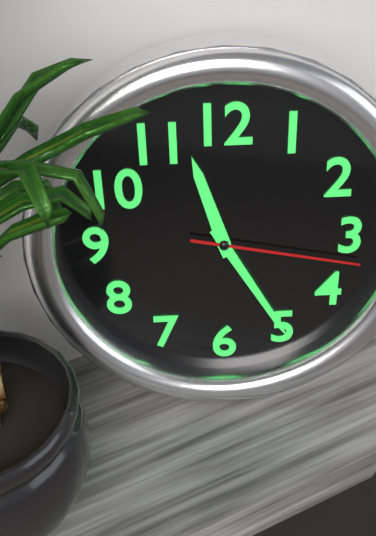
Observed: 11.25.17
